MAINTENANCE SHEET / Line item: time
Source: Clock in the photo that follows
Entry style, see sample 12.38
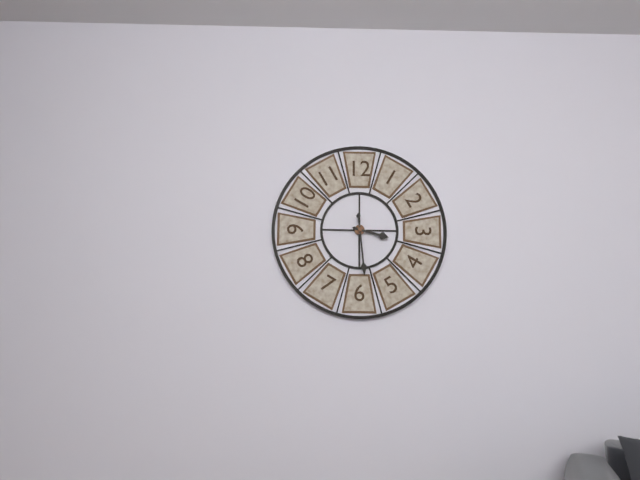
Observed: 3.29
